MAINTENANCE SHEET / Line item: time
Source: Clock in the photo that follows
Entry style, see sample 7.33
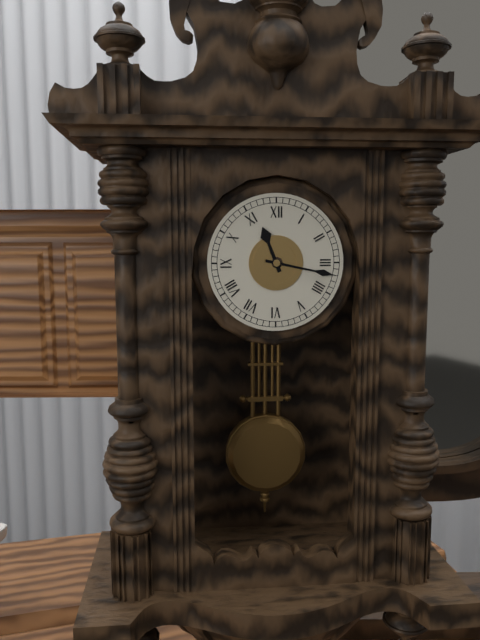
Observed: 11.17
